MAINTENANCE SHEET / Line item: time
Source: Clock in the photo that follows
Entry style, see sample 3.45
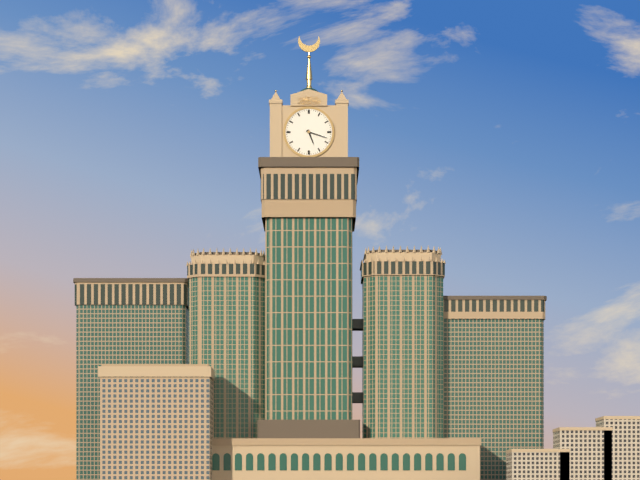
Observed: 5.18
